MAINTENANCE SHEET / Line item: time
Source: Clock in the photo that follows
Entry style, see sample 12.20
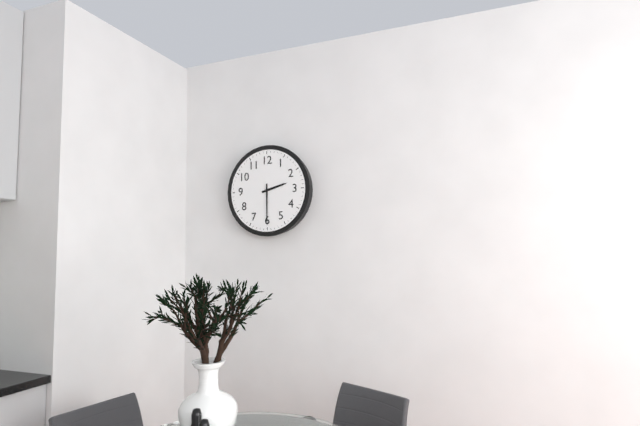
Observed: 2.30
